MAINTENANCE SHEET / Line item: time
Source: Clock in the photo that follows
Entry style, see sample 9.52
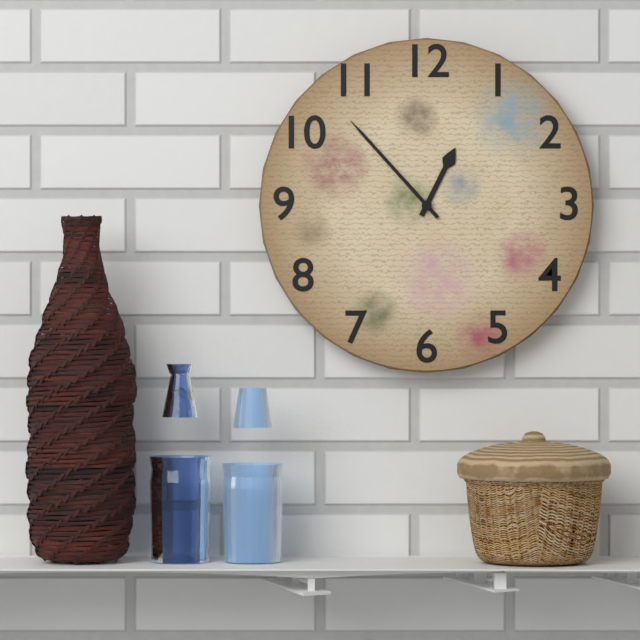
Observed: 12.53
